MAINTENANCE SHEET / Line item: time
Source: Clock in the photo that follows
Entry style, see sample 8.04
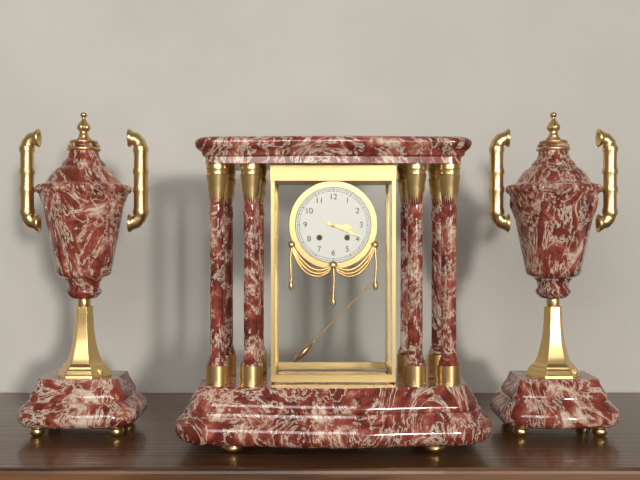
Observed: 3.19
